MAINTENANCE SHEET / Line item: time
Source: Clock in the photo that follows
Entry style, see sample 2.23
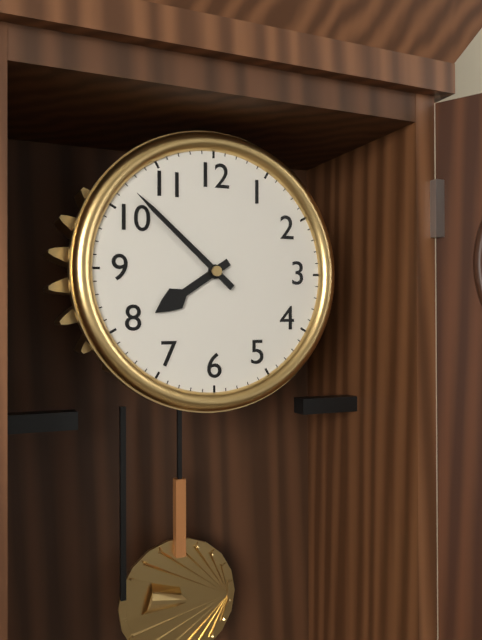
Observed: 7.52
